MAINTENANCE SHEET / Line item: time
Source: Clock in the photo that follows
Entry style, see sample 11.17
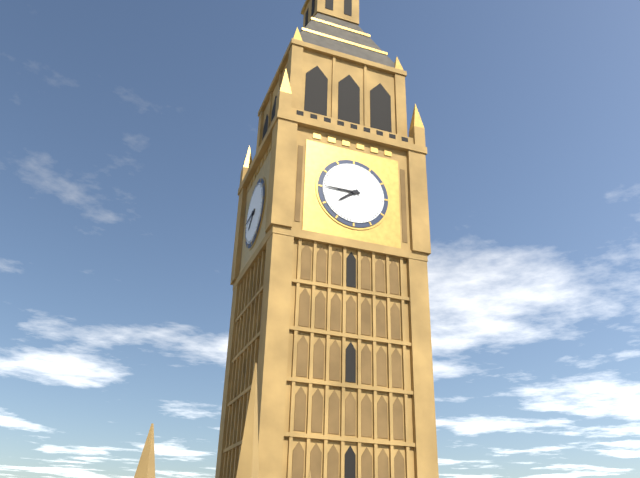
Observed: 7.45
